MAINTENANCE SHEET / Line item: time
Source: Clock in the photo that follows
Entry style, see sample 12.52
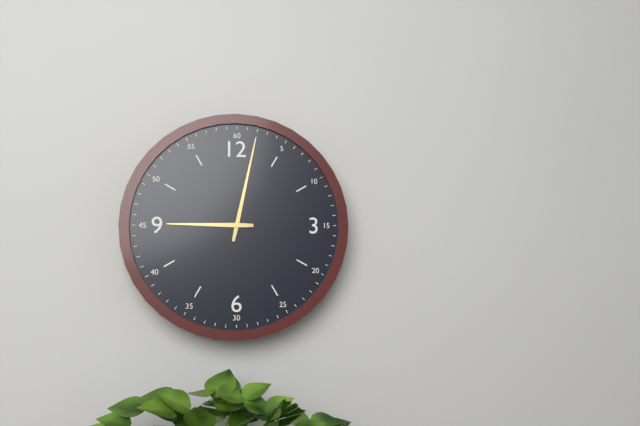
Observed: 9.02
